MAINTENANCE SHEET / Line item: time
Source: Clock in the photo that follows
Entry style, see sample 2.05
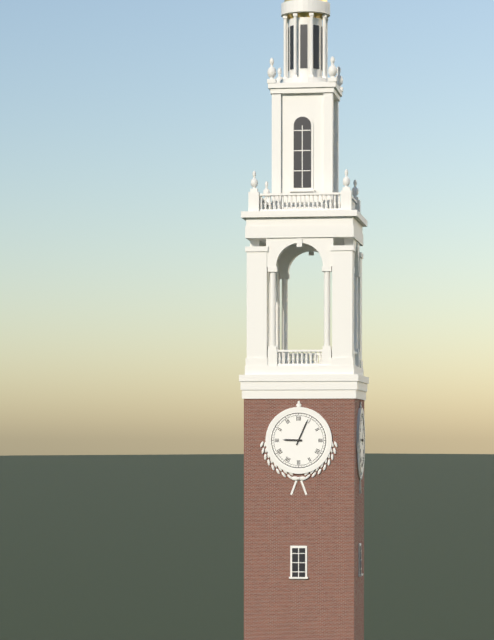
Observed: 9.04
